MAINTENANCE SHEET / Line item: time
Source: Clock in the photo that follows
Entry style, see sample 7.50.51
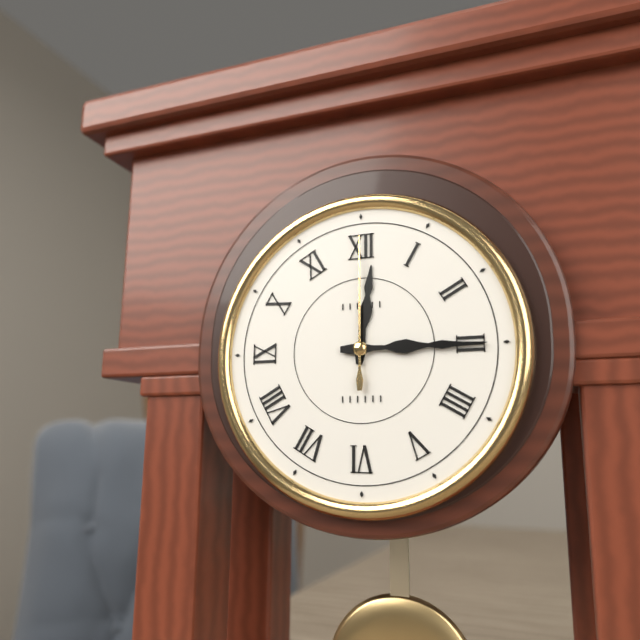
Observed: 12.15.00
